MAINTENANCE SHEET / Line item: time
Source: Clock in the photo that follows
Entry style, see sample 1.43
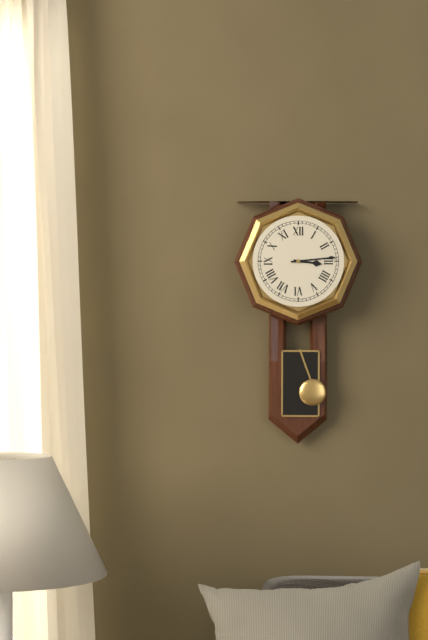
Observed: 3.14
